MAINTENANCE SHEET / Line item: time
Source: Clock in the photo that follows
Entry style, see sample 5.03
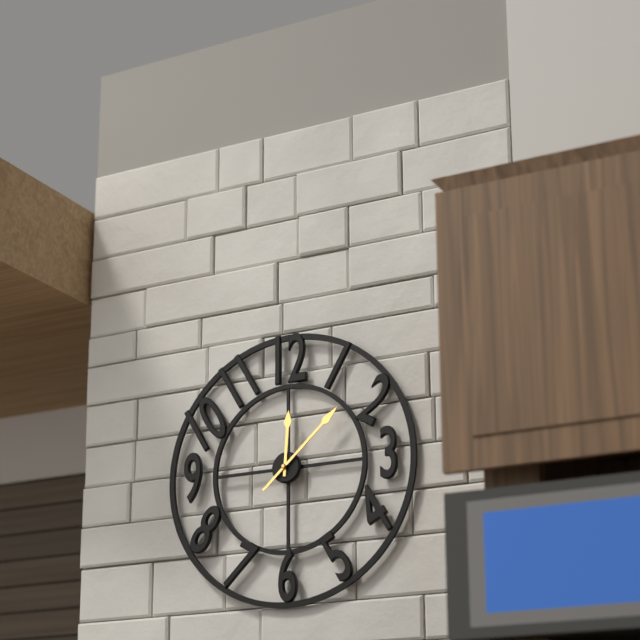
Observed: 12.08
